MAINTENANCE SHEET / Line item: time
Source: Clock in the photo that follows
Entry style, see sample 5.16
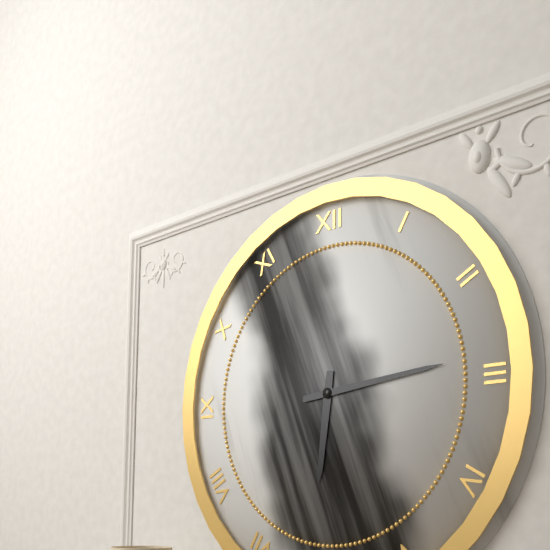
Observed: 6.14
